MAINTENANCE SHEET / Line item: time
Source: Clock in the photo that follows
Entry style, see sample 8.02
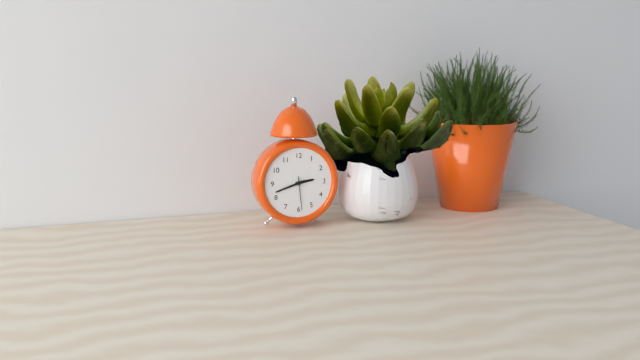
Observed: 2.42
